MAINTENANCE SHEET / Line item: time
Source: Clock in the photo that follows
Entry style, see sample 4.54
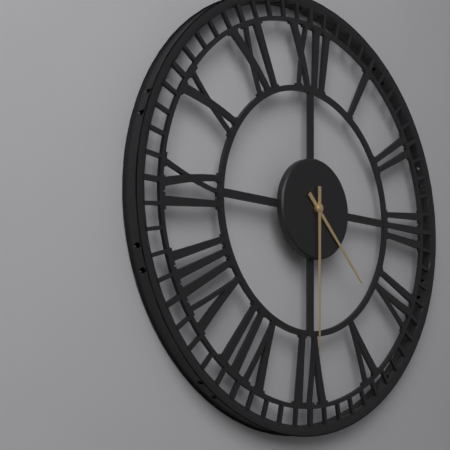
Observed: 4.30
